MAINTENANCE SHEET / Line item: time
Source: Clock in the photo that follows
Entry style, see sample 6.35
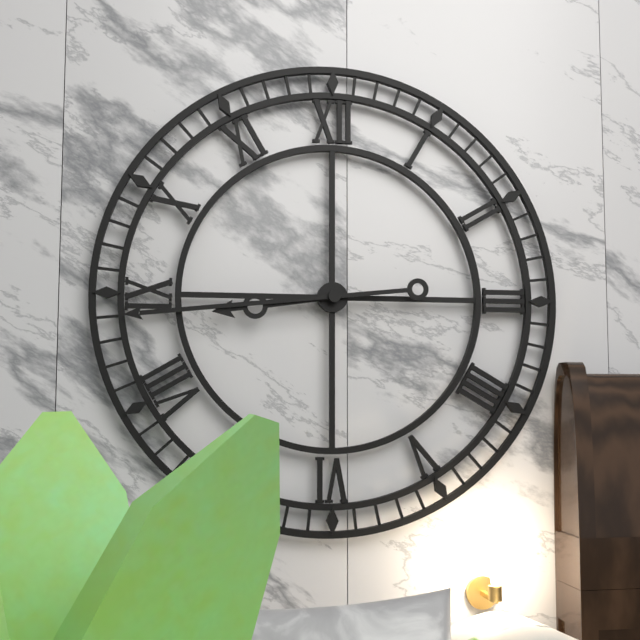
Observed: 8.44
